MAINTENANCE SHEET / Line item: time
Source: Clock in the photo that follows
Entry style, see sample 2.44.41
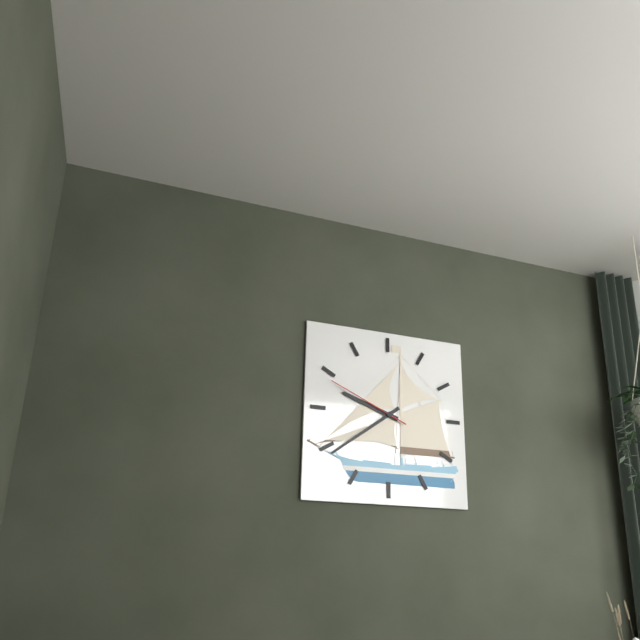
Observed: 9.39.49
